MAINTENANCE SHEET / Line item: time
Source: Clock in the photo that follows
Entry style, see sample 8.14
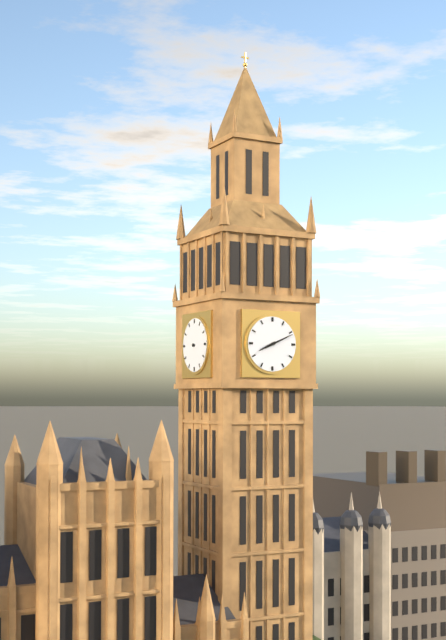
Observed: 8.11
